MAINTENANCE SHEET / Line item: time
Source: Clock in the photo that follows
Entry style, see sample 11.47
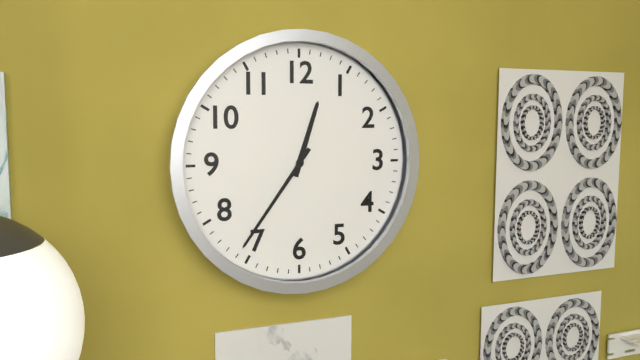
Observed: 12.36
